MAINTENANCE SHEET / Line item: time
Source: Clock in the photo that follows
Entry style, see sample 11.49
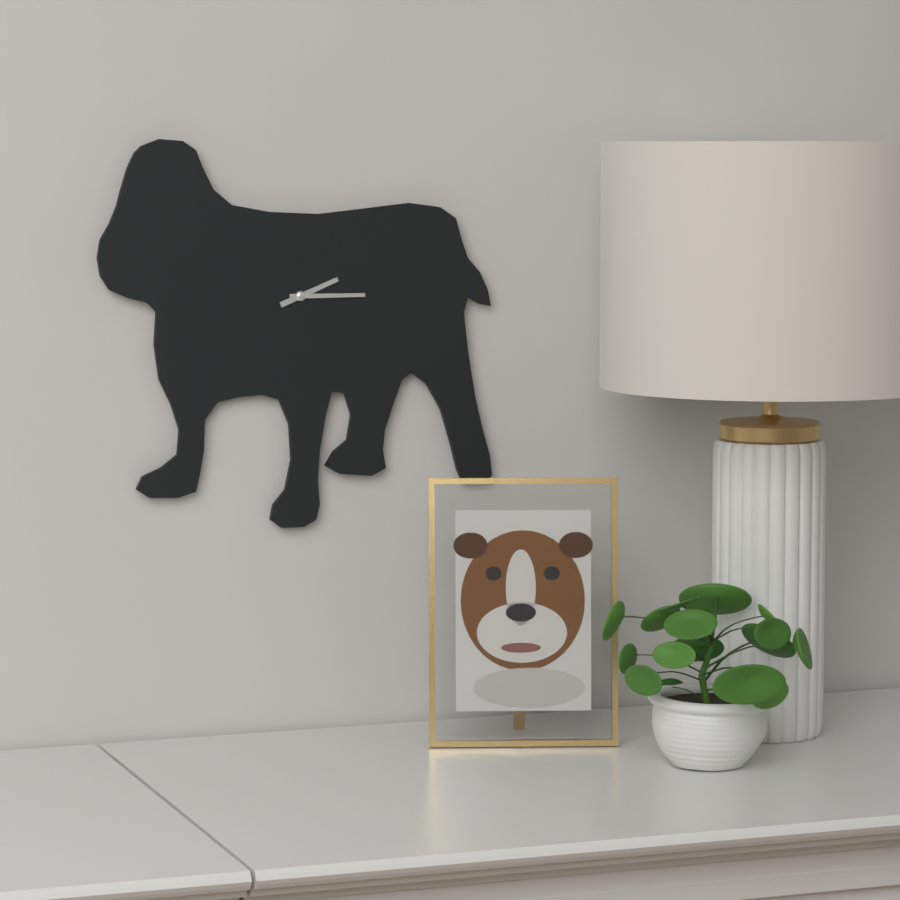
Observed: 2.15
